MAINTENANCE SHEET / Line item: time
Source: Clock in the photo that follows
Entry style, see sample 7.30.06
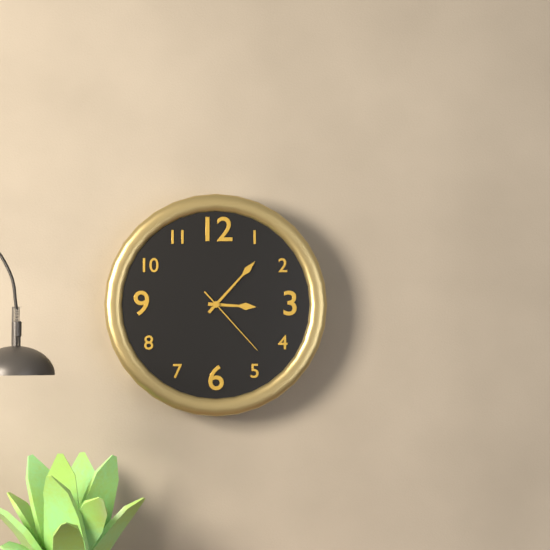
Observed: 3.07.23
